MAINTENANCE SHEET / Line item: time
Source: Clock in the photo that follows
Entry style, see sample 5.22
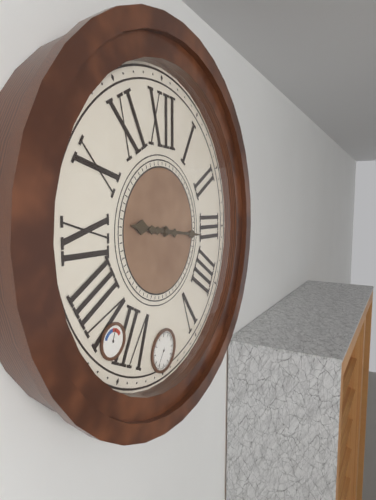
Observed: 9.16
